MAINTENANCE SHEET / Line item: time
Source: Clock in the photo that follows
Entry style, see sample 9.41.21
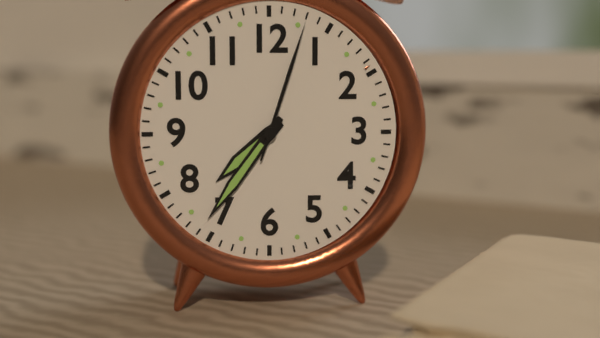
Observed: 7.36.03
